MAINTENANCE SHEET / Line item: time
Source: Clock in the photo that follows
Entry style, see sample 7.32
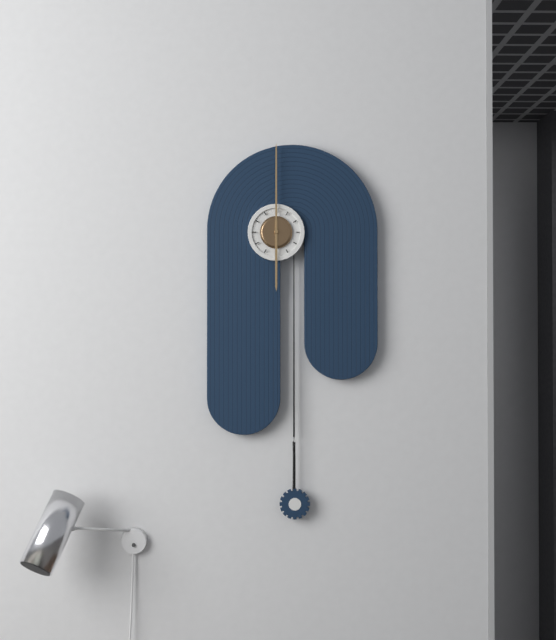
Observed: 6.00
